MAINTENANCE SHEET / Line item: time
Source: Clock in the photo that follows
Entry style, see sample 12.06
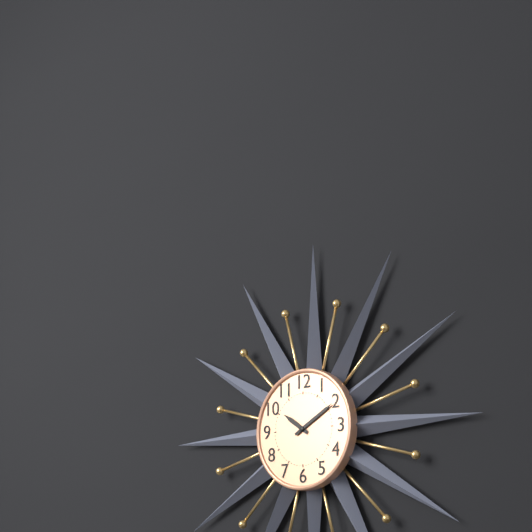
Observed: 10.10
